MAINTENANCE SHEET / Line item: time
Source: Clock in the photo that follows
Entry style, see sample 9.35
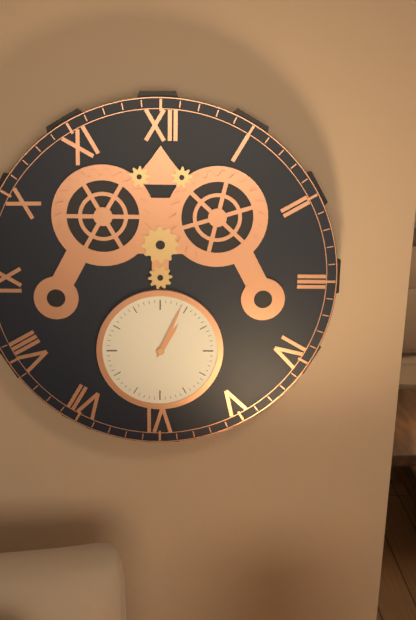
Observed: 1.04
